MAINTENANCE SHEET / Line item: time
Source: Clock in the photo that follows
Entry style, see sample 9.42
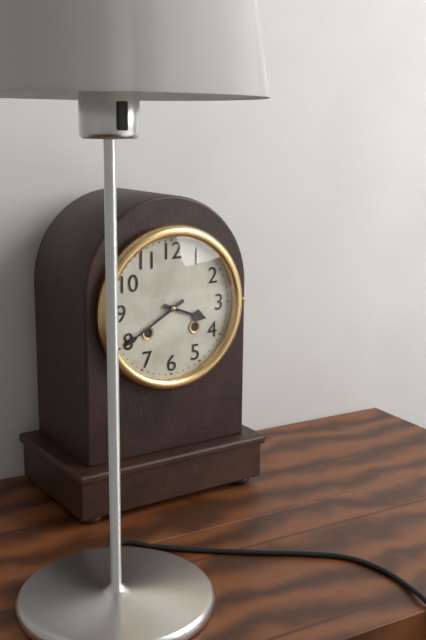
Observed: 3.40
